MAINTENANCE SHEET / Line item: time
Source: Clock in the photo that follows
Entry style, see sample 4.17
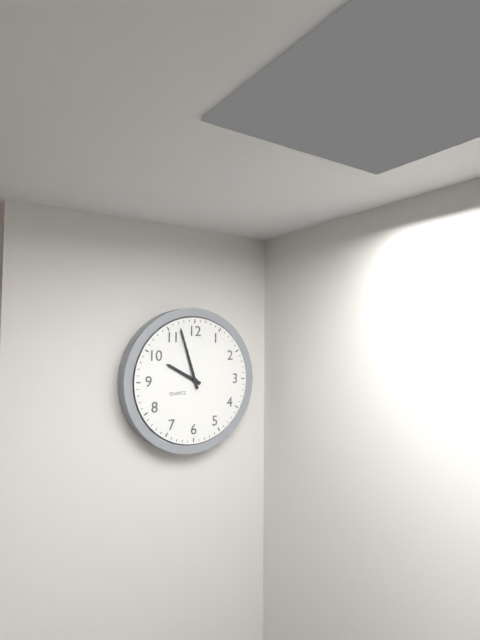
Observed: 9.57
